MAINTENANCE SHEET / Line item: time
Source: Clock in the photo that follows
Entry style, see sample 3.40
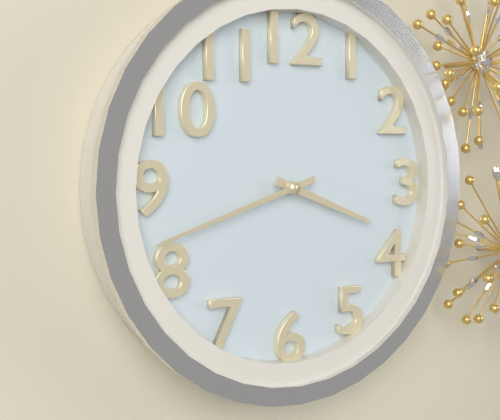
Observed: 3.42
